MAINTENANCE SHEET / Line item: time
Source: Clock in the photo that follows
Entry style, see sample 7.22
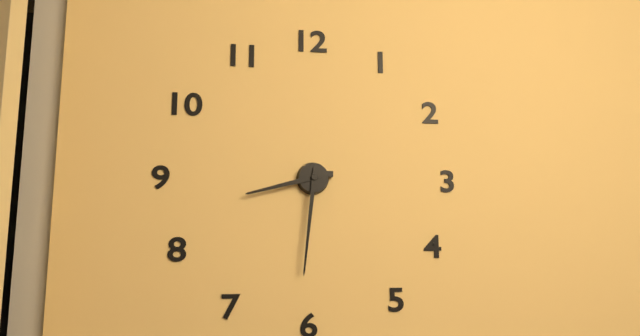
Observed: 8.31
